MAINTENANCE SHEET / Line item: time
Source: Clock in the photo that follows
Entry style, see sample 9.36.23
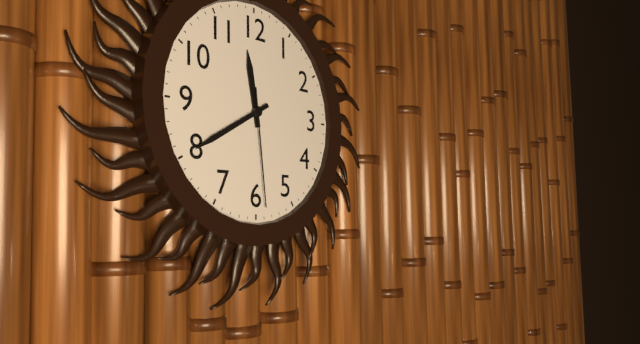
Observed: 11.40.29
